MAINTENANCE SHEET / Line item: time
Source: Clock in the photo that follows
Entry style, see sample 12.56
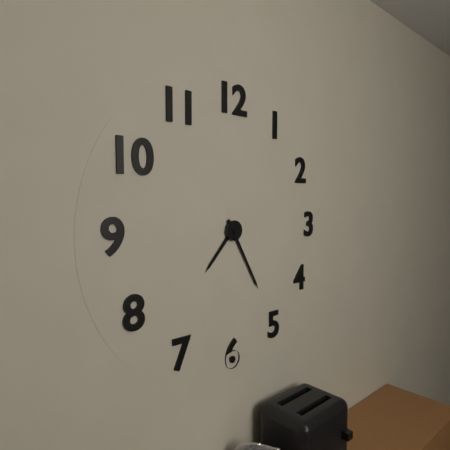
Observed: 7.25
